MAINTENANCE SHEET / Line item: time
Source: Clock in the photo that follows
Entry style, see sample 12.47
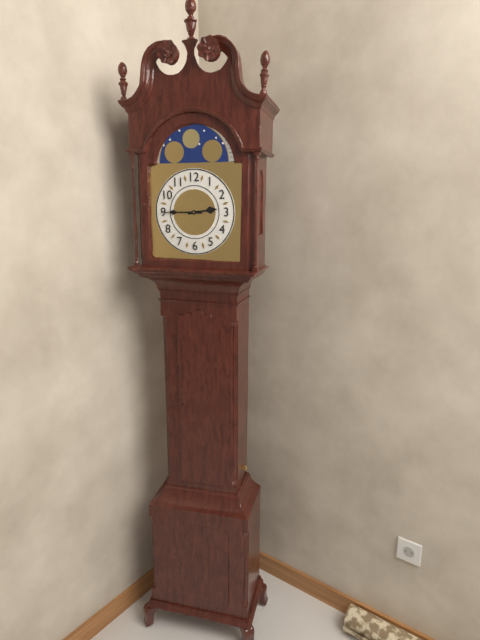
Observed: 2.45
